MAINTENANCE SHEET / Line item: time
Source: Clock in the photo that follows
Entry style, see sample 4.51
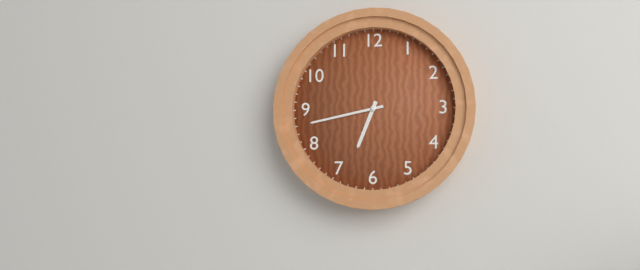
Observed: 6.43
